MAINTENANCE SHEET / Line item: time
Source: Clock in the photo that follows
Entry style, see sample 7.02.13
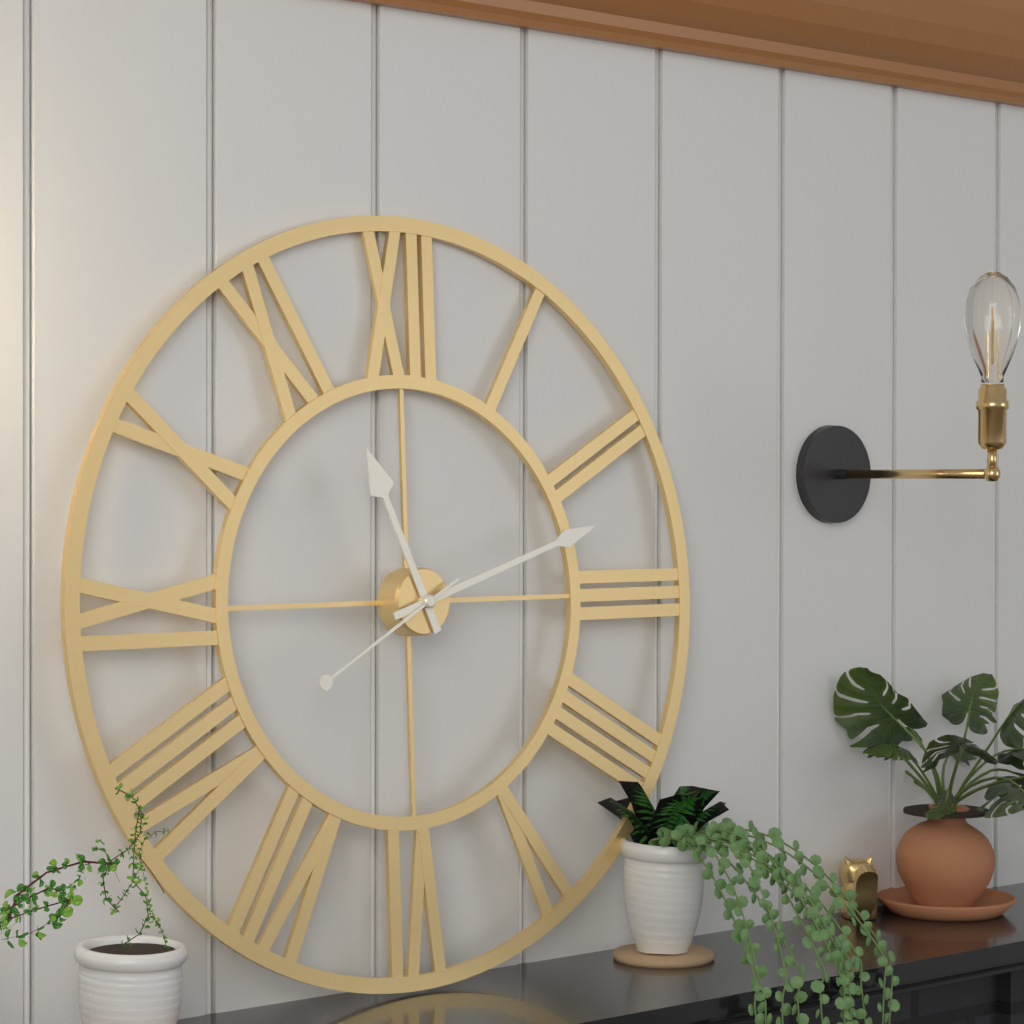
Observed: 11.12.40
